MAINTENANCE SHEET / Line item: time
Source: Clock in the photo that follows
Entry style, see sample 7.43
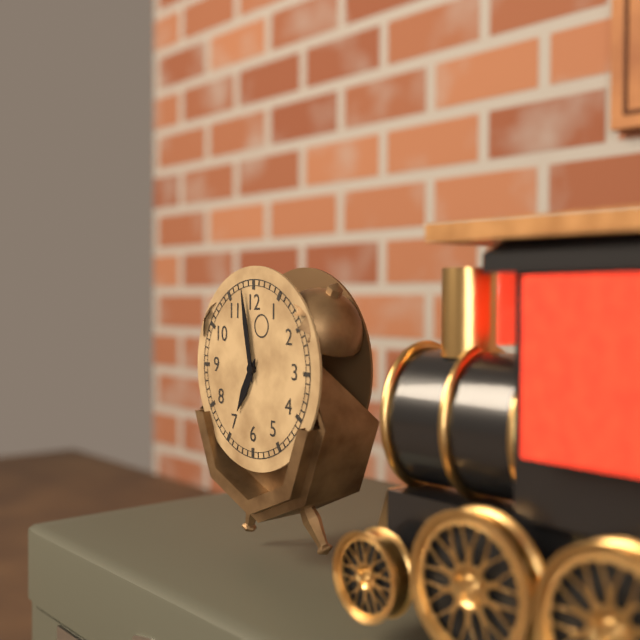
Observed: 6.58
